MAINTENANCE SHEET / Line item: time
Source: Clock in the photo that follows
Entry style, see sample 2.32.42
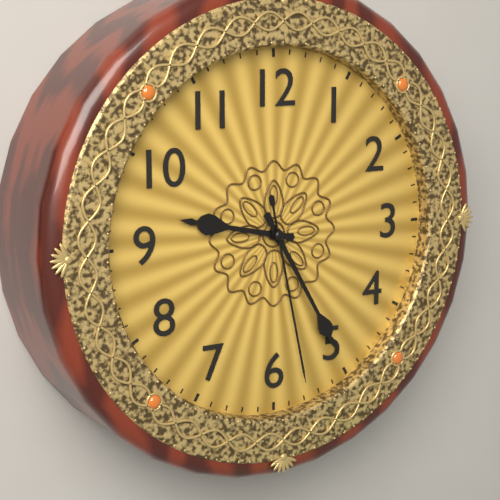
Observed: 9.25.28
